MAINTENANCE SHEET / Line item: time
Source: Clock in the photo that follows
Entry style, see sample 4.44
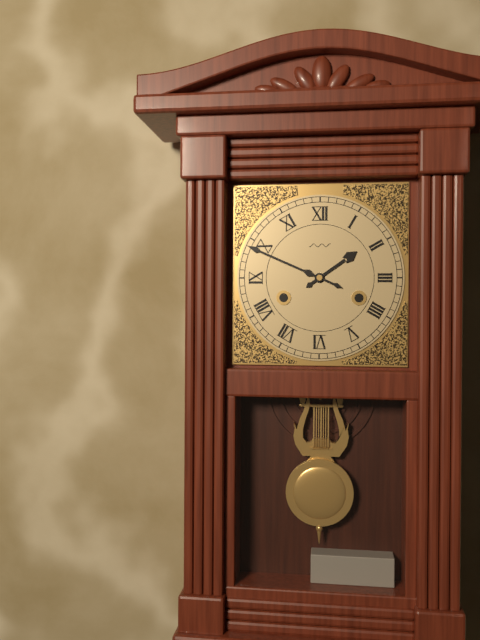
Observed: 1.49
